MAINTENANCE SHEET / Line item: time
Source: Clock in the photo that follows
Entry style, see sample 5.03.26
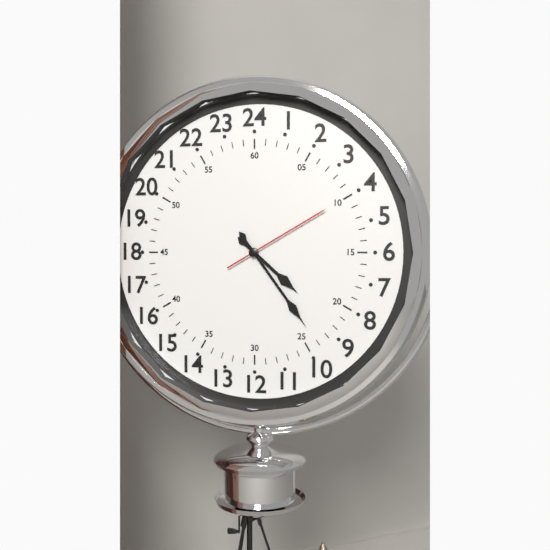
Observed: 4.24.10
